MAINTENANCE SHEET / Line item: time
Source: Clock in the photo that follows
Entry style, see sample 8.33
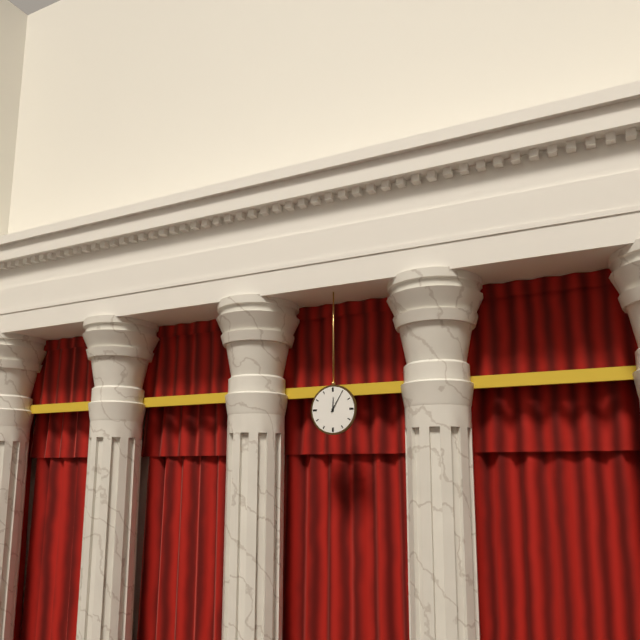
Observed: 12.05
